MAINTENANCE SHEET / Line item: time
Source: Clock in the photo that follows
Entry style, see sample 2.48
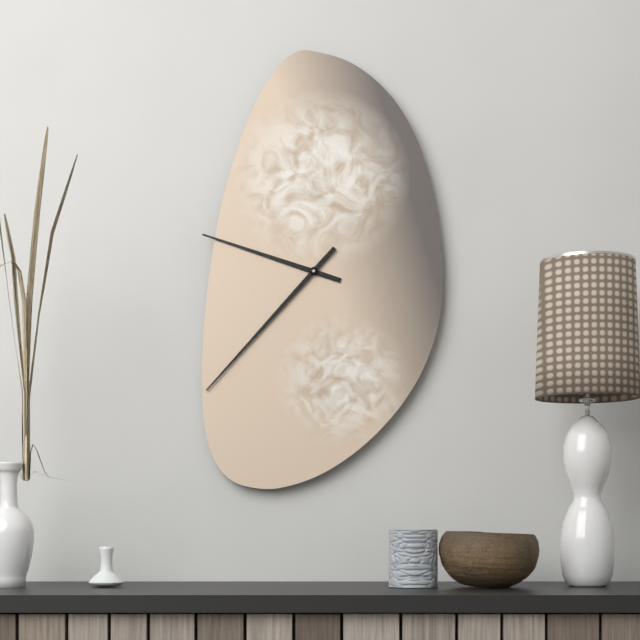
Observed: 9.37
